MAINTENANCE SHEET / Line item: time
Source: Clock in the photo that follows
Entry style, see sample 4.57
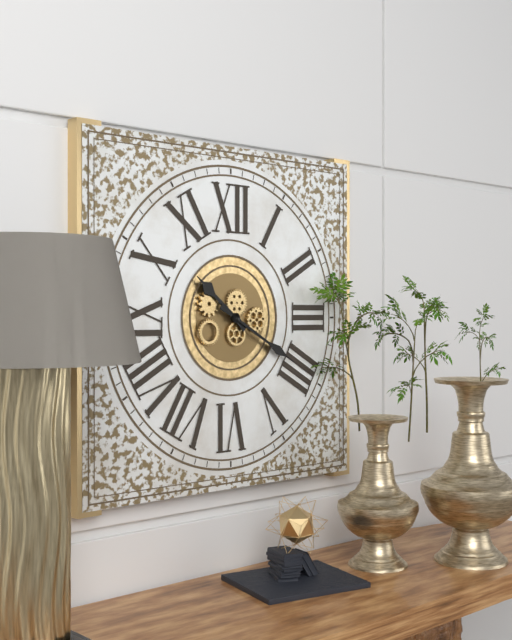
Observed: 10.20
